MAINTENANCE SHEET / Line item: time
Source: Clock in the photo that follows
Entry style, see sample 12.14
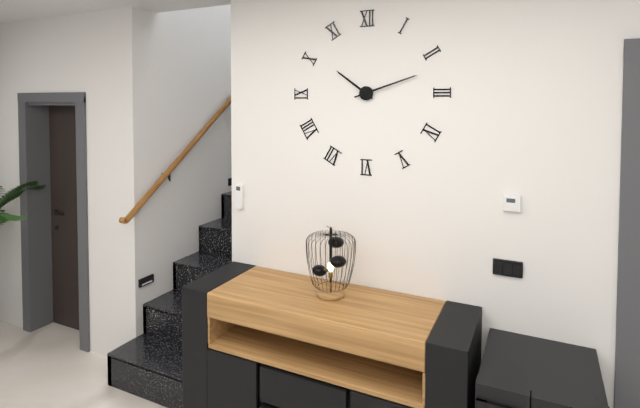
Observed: 10.12
